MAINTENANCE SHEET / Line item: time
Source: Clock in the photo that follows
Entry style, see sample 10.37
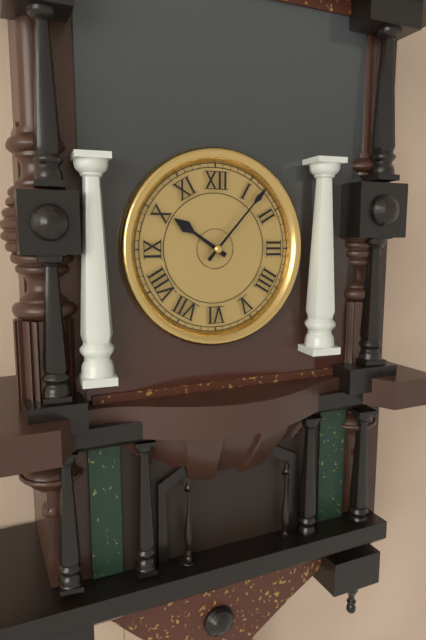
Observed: 10.07
